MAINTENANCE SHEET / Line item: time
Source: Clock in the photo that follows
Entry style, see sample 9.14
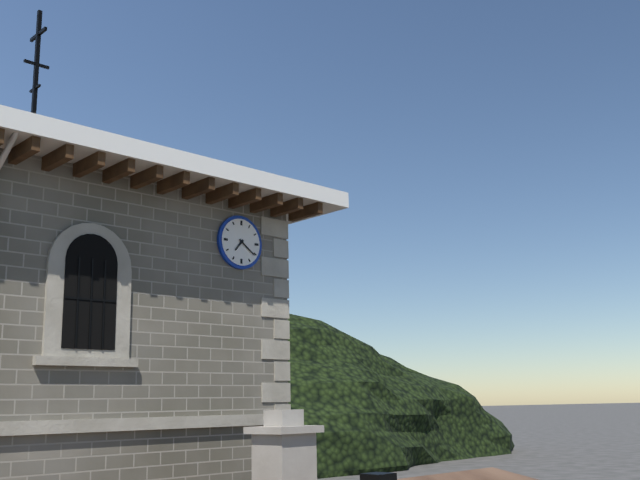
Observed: 7.21
